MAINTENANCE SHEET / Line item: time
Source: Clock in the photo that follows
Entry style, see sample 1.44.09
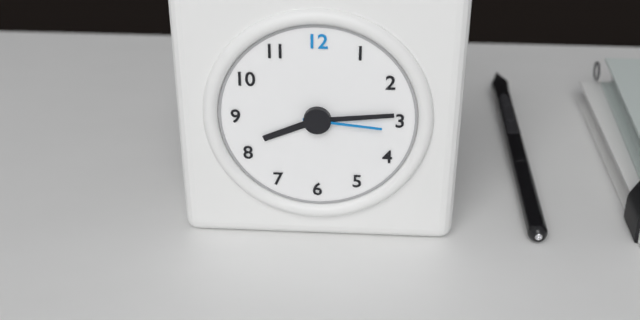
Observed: 8.14.16
